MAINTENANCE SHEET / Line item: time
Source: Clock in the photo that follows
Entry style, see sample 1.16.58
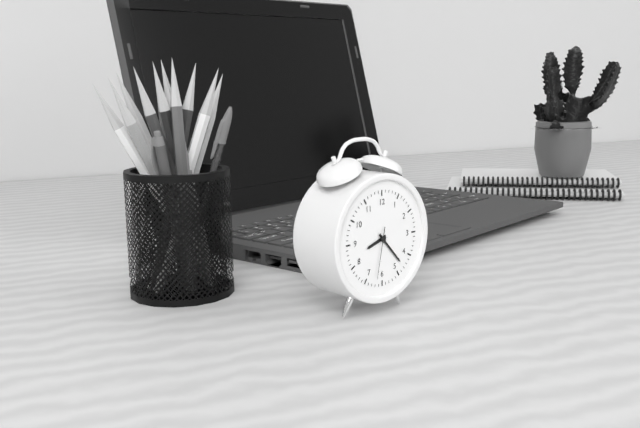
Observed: 8.23.32
